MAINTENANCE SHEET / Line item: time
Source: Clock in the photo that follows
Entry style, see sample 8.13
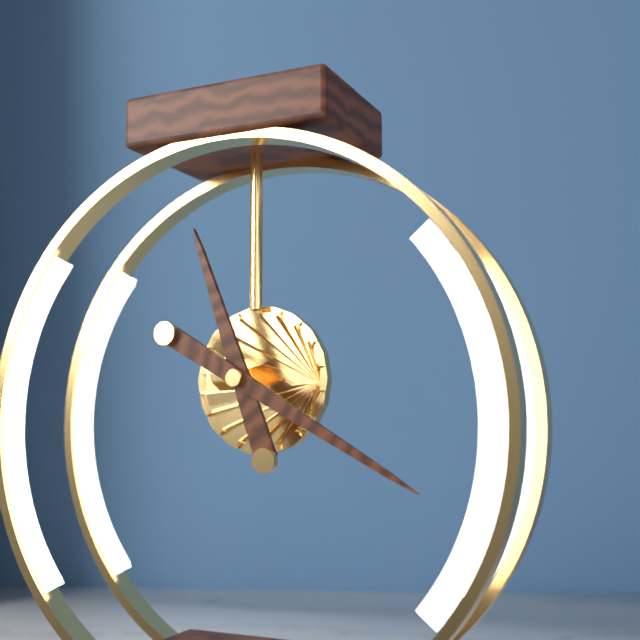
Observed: 11.20
